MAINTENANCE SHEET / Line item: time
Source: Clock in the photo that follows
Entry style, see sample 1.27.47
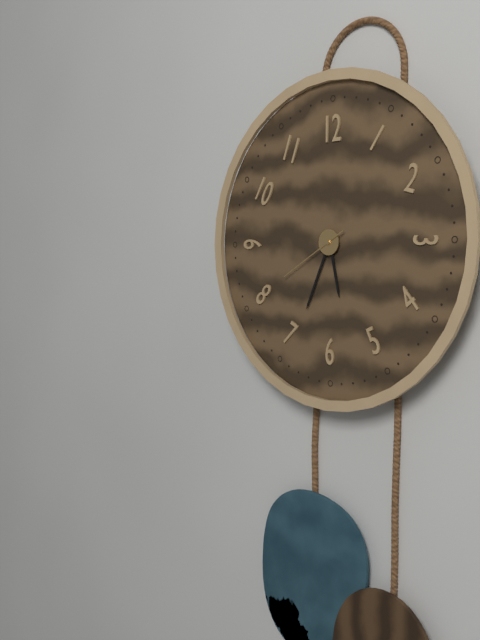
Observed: 5.34.40
